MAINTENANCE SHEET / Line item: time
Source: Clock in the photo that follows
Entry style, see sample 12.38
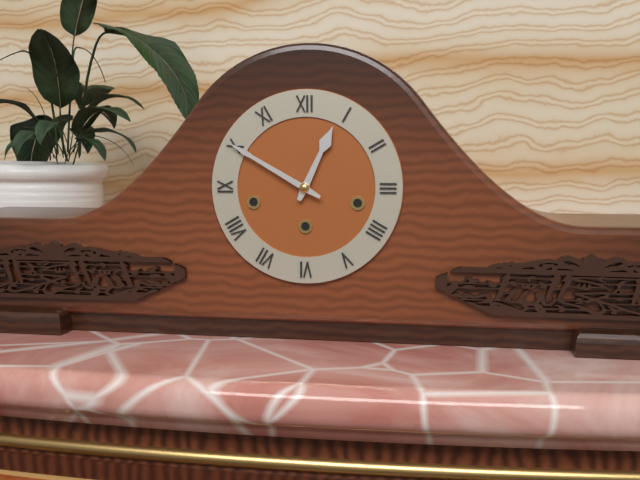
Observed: 12.50
